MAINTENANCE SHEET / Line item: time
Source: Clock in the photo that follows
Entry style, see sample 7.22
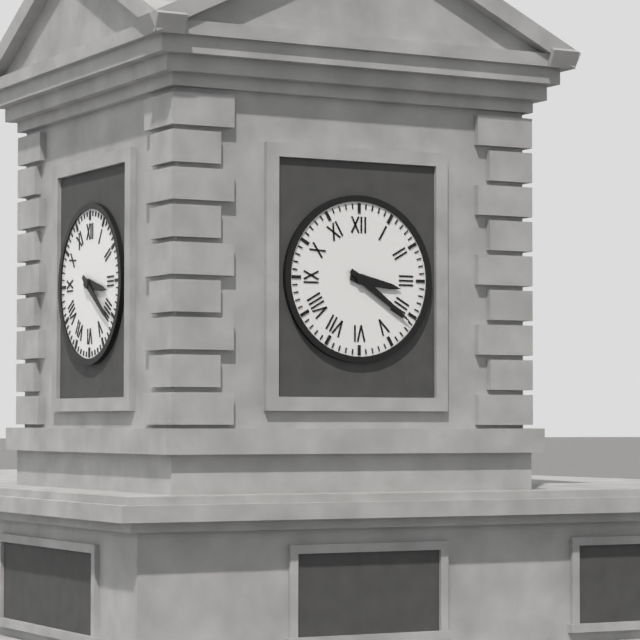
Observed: 3.21
